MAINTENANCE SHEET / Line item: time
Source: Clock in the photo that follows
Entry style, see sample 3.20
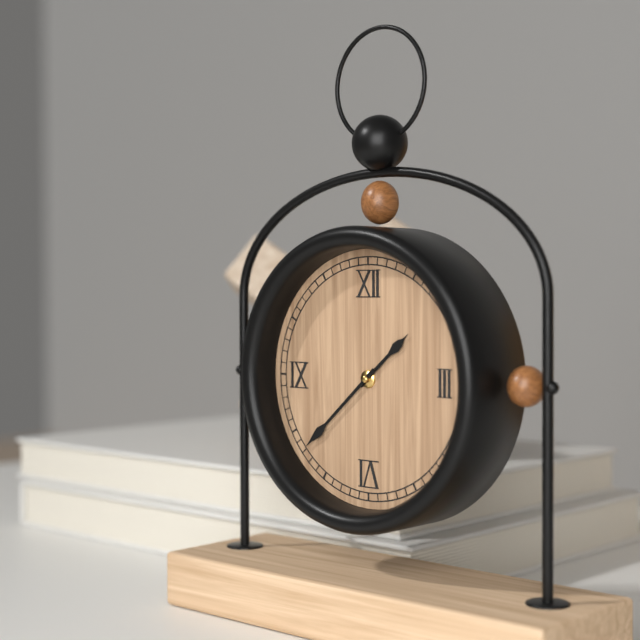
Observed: 1.38
